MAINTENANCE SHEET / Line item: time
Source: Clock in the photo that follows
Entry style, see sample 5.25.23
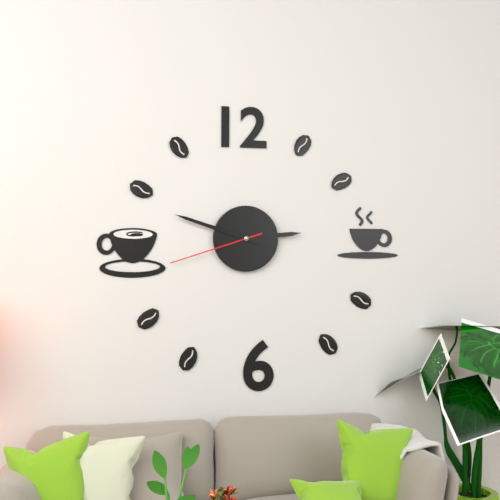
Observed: 2.48.42
